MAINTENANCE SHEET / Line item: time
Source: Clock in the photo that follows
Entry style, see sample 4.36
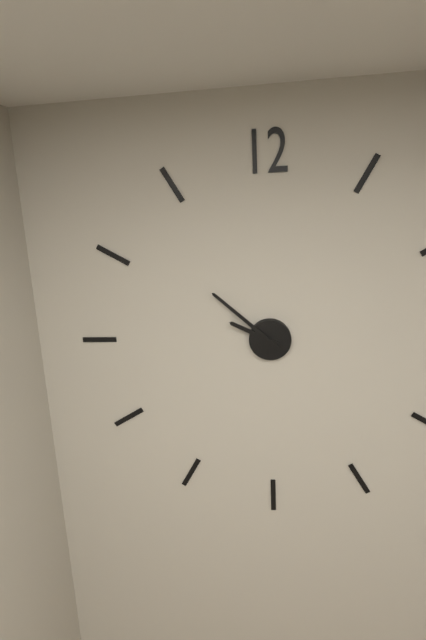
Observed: 9.52
